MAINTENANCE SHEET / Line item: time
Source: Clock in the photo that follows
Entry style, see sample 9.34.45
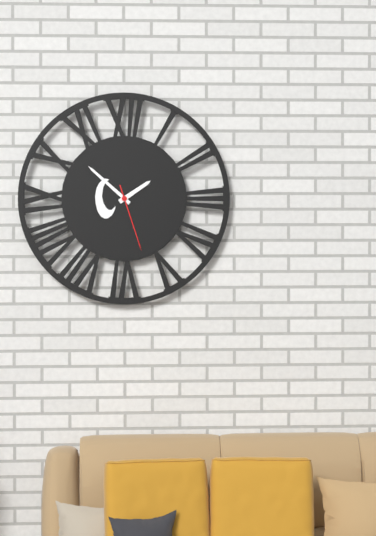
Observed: 1.52.27
